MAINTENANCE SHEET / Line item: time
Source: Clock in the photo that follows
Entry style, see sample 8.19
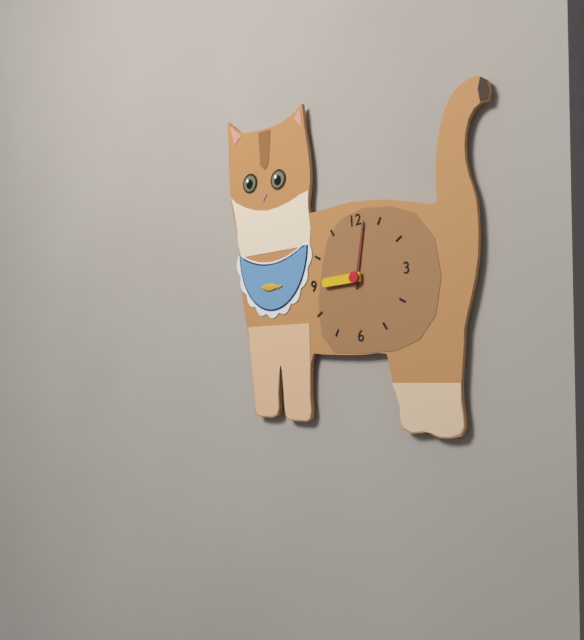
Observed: 9.02
